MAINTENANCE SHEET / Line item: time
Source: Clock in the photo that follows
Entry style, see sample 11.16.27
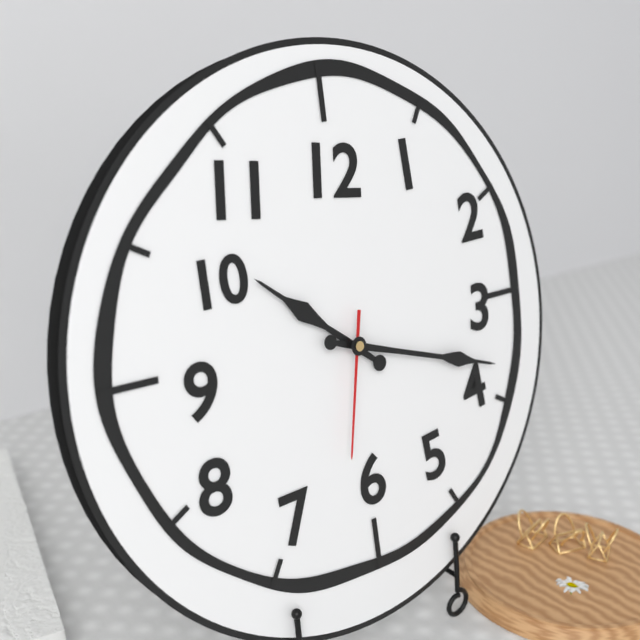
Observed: 10.18.32
